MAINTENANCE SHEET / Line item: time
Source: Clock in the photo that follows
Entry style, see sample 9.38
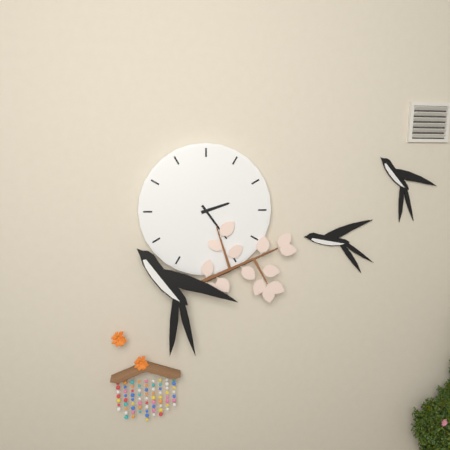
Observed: 2.24
